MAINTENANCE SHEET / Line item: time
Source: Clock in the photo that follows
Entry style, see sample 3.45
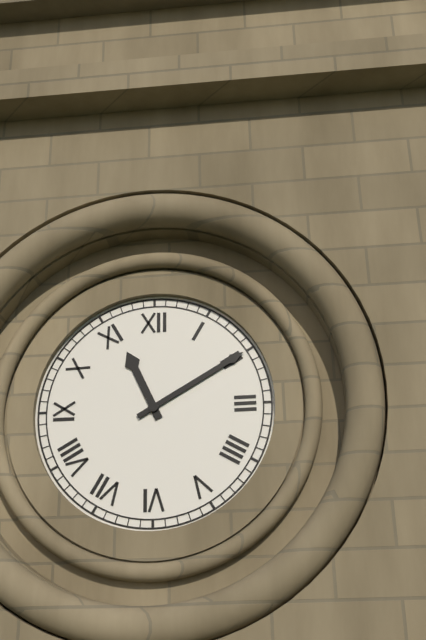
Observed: 11.10
